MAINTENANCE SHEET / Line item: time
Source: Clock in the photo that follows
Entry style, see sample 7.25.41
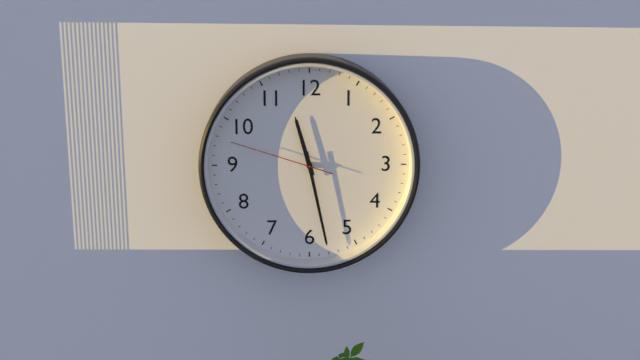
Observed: 11.28.48
